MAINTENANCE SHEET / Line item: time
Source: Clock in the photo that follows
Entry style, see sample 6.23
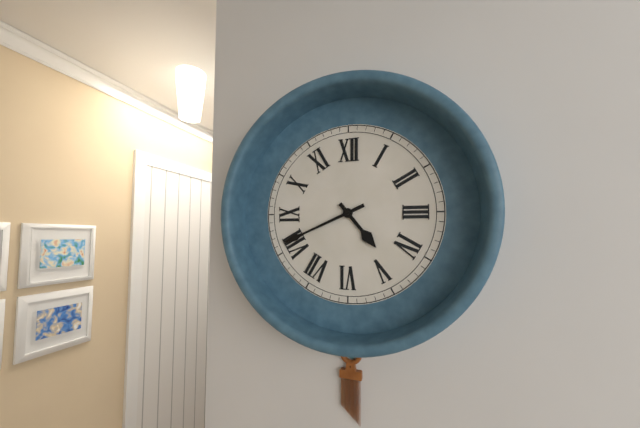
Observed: 4.41
